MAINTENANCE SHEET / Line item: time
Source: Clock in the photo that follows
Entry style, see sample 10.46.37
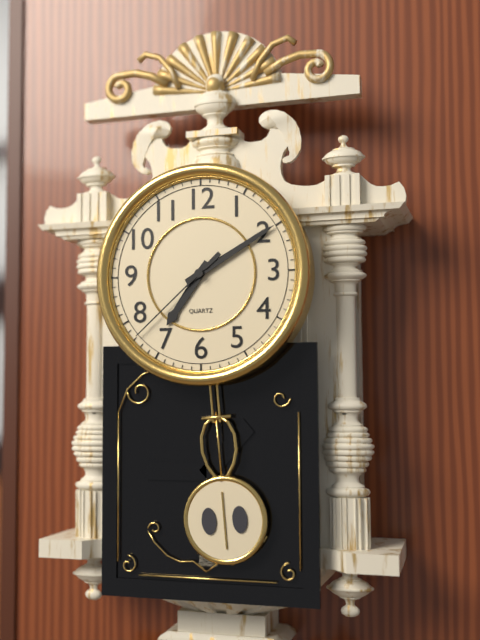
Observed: 7.10.38
